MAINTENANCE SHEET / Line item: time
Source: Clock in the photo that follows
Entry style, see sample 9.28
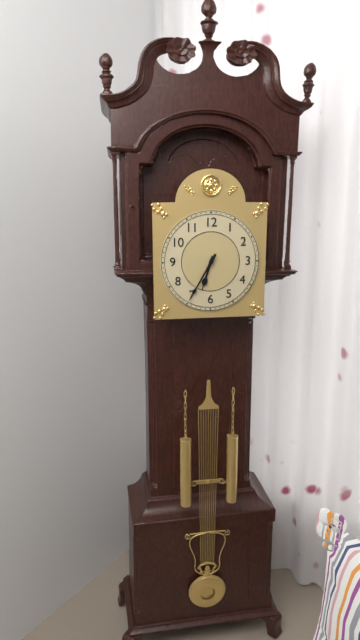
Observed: 6.35
